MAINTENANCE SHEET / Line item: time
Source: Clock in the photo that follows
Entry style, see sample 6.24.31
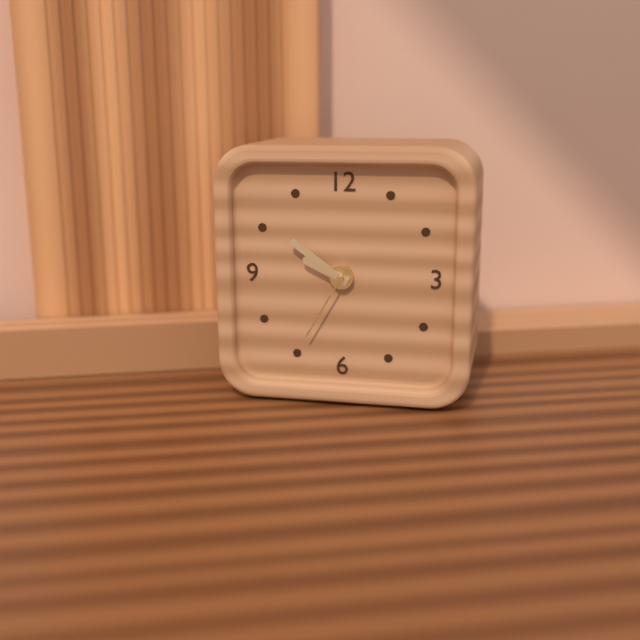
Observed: 9.51.35
